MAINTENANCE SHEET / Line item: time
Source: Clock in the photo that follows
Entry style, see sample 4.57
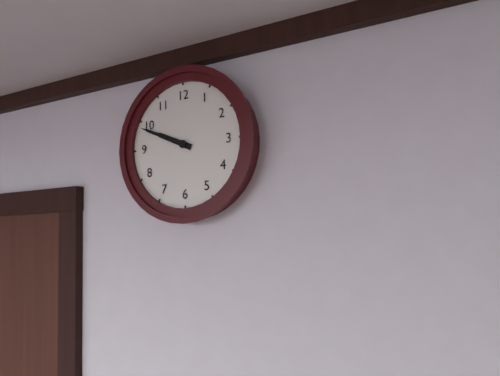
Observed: 9.49
